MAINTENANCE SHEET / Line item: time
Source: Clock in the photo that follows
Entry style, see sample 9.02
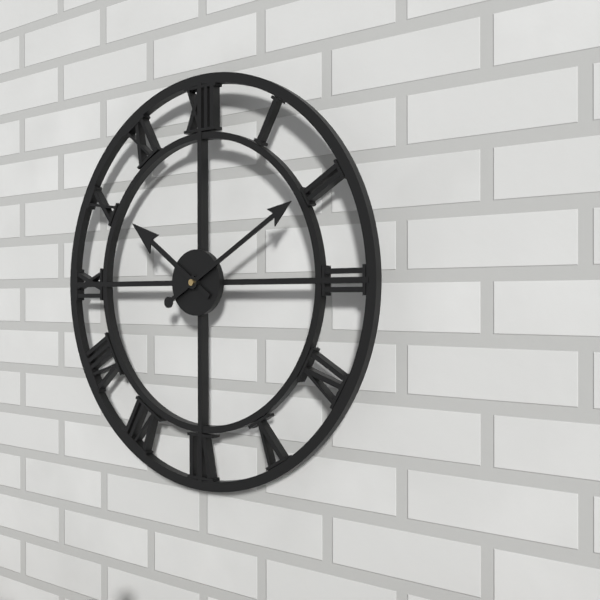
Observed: 10.10
